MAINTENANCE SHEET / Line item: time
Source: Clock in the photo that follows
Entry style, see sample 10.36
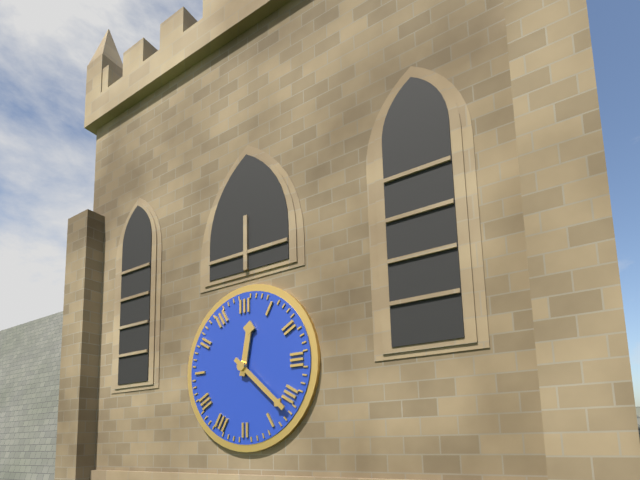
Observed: 12.22
